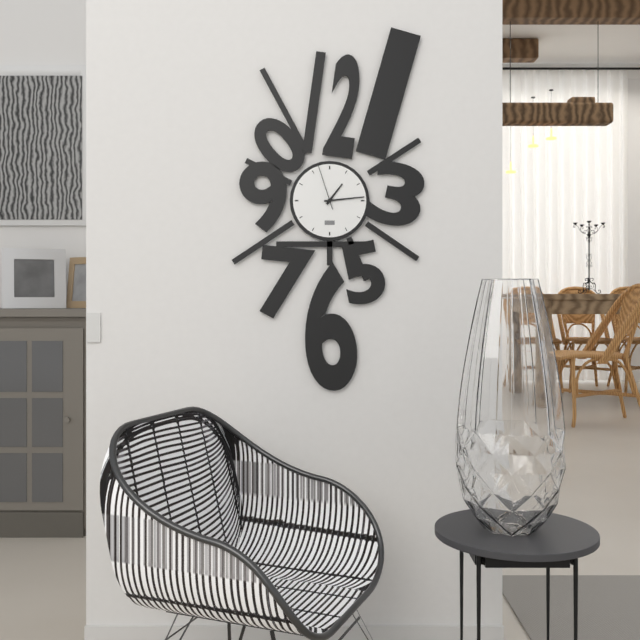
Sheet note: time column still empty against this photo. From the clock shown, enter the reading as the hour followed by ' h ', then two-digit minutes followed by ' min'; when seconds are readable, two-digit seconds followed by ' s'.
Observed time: 1 h 14 min
